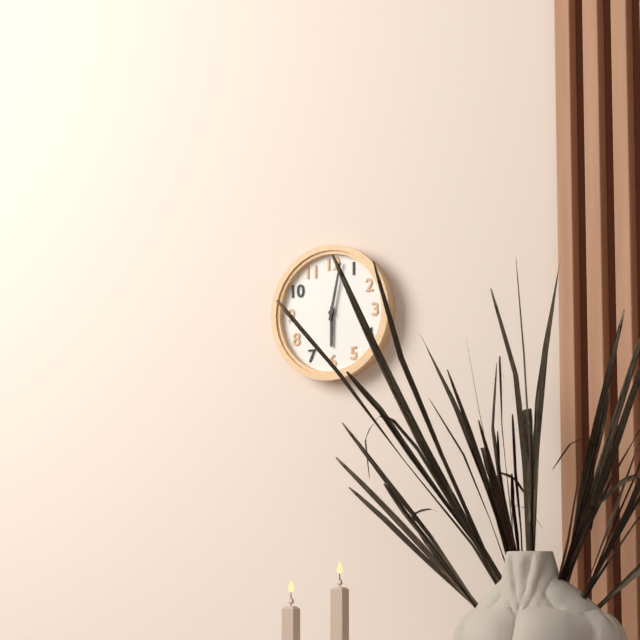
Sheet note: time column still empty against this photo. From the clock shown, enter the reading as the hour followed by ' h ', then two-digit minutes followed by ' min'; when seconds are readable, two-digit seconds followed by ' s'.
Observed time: 6 h 02 min
